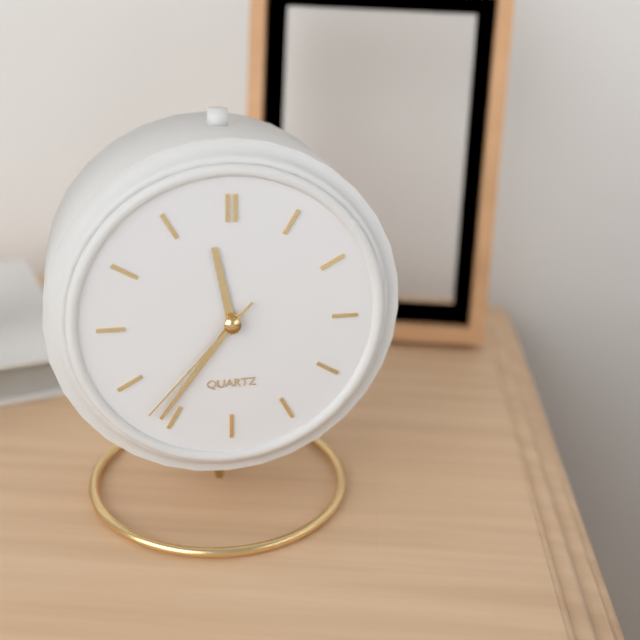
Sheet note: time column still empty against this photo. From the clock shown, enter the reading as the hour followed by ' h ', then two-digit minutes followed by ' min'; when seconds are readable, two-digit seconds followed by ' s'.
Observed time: 11 h 36 min 37 s
